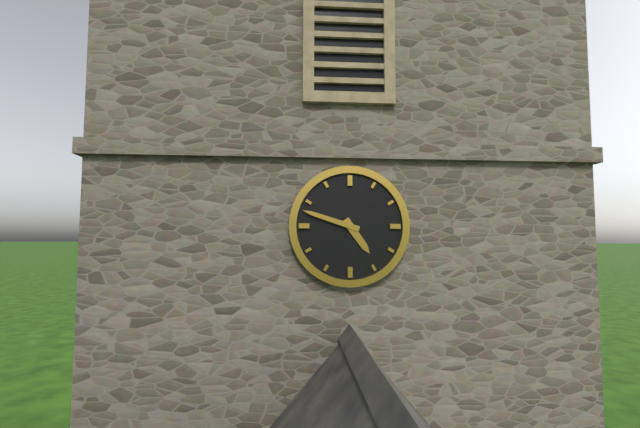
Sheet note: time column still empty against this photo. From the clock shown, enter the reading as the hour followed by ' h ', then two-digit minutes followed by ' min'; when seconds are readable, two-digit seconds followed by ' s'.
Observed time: 4 h 48 min
